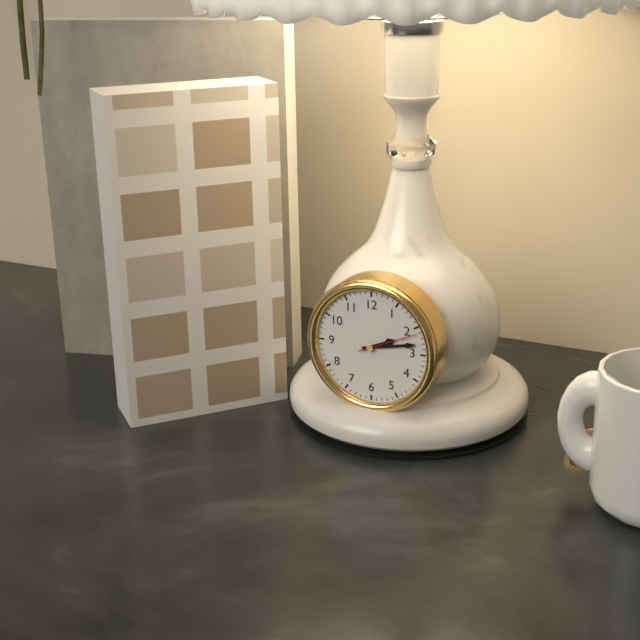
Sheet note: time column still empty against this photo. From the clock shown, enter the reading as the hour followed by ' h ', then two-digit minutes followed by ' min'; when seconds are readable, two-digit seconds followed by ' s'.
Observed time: 2 h 13 min 11 s
